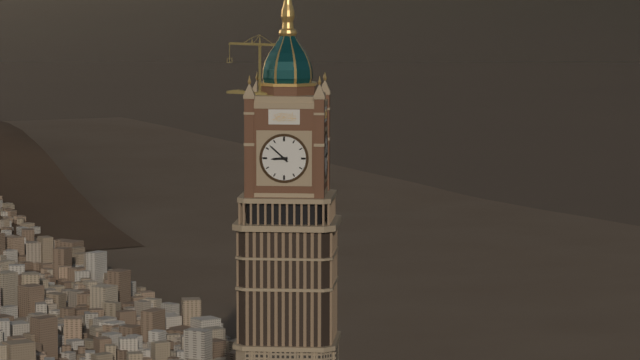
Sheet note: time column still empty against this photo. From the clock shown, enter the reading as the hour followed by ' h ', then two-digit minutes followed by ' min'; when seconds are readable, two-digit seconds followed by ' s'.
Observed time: 8 h 52 min
